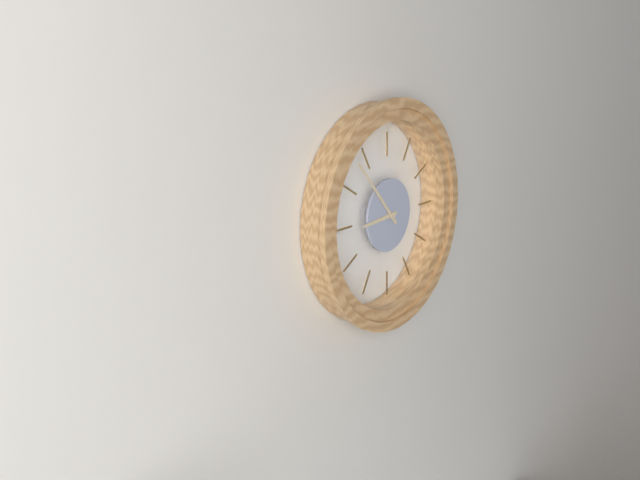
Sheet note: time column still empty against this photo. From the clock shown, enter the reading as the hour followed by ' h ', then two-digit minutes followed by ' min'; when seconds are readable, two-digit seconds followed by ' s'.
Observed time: 8 h 53 min
